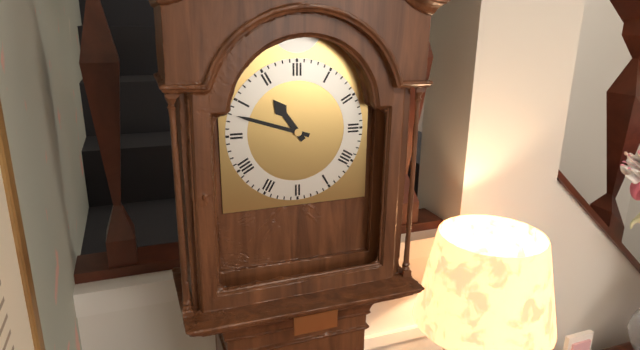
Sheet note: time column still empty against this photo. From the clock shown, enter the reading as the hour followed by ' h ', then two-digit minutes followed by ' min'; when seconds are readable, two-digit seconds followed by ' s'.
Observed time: 10 h 48 min
